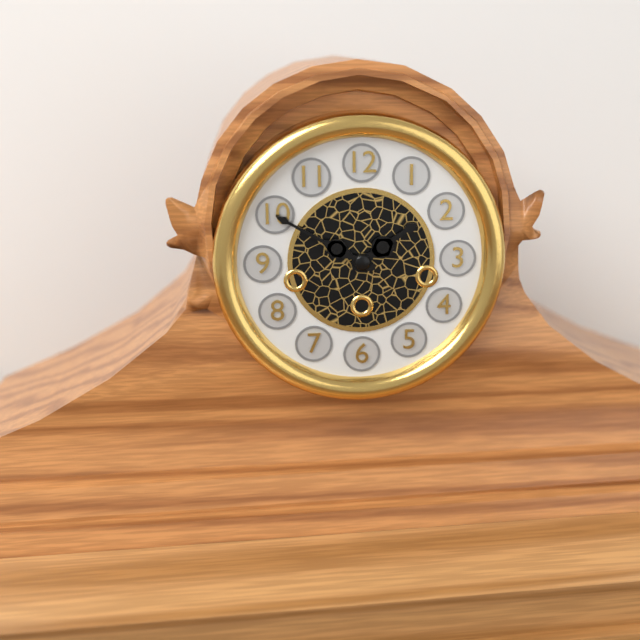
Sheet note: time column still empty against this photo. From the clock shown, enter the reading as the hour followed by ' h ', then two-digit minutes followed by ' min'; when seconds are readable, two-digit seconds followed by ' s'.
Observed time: 1 h 50 min
